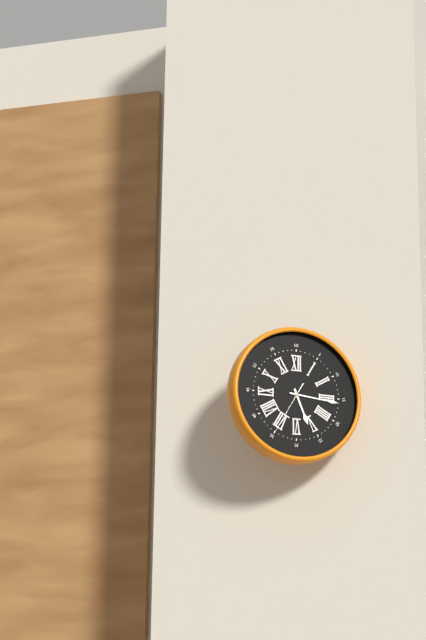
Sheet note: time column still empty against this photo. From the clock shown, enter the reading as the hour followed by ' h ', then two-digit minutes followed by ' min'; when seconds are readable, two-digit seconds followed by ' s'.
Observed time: 5 h 16 min
